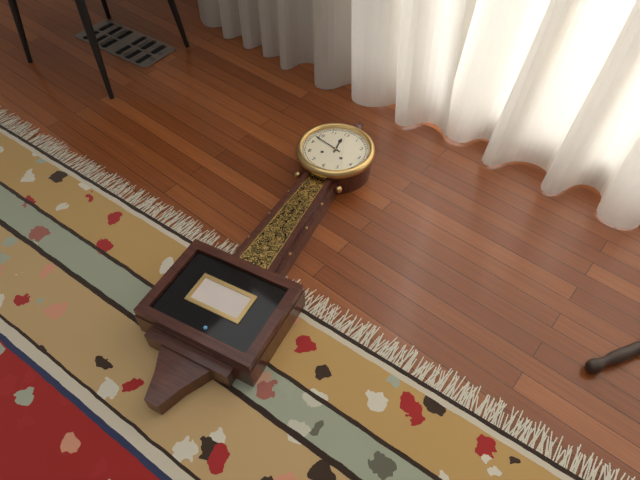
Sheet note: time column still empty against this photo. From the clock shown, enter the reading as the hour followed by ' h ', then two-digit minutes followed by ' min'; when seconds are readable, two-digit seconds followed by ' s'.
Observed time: 11 h 48 min
